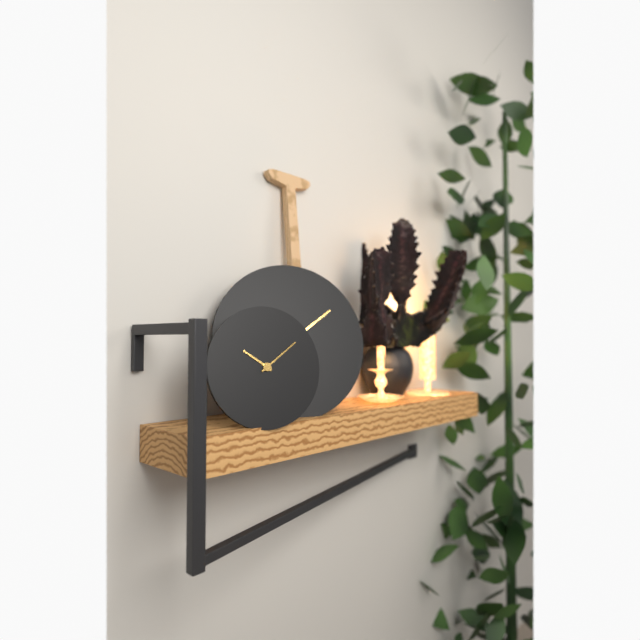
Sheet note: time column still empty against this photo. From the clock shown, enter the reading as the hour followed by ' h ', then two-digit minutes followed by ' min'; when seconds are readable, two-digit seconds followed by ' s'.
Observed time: 10 h 09 min
